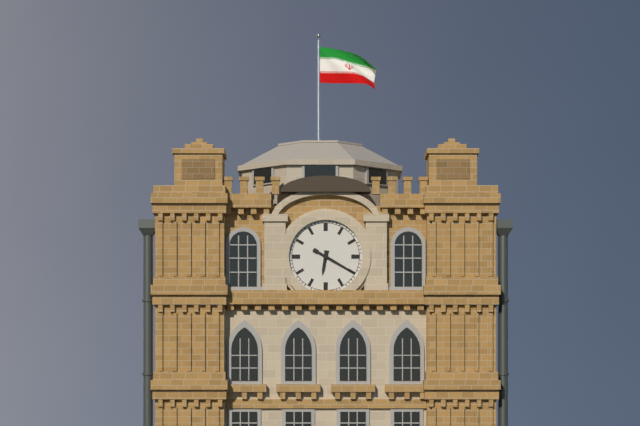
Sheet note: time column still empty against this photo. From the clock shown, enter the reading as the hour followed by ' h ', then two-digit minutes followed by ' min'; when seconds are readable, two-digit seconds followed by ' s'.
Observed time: 6 h 20 min
